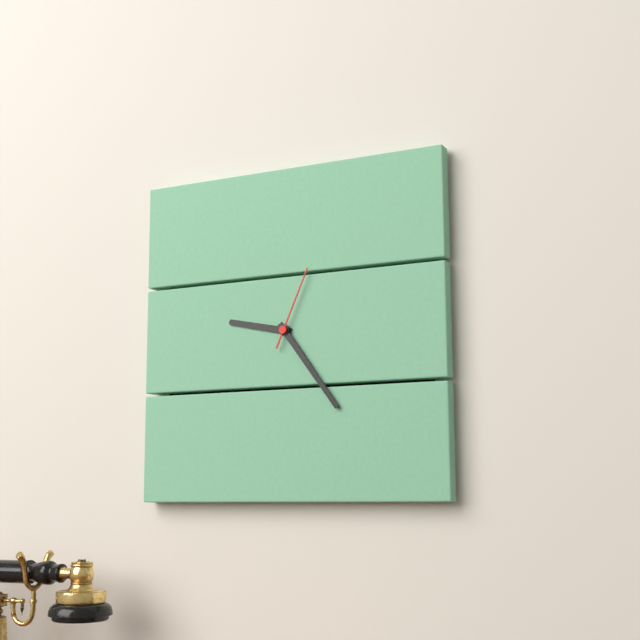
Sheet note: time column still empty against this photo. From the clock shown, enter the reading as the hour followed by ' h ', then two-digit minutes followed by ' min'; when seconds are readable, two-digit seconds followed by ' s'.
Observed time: 9 h 24 min 04 s
